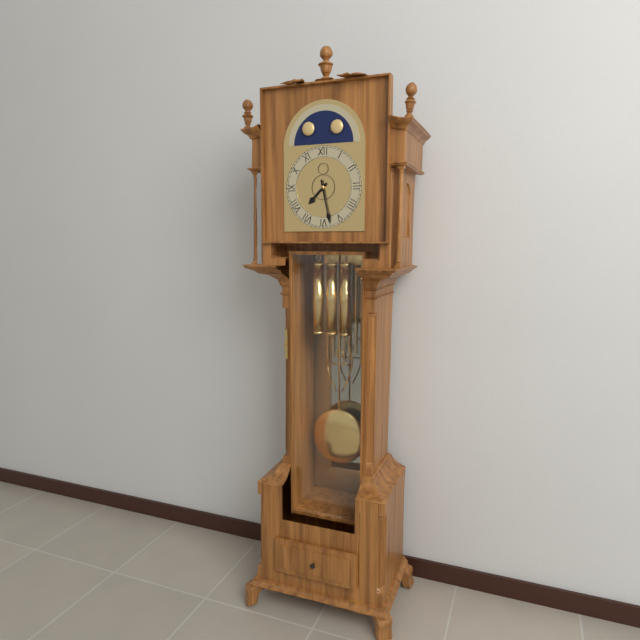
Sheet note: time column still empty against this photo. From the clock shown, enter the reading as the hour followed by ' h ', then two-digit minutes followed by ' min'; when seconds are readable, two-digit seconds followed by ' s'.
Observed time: 7 h 28 min
